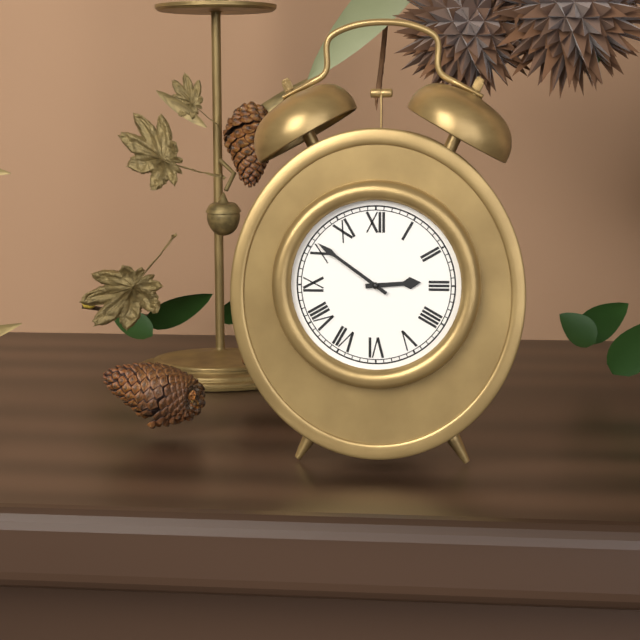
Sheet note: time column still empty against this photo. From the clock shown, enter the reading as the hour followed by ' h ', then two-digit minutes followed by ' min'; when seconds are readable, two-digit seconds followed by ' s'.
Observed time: 2 h 51 min
